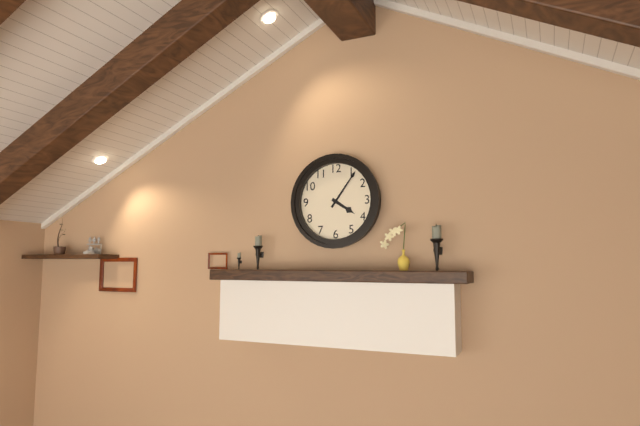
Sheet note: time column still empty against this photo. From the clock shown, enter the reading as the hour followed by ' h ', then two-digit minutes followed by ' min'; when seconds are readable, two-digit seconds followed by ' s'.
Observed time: 4 h 06 min
